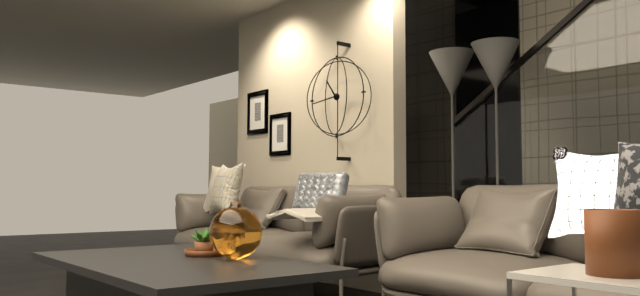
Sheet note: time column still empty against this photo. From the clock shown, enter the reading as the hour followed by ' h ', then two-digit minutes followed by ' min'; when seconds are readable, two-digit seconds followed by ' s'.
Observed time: 10 h 44 min
